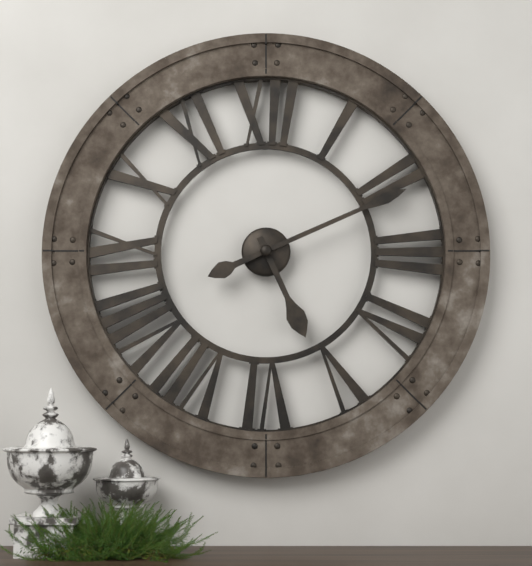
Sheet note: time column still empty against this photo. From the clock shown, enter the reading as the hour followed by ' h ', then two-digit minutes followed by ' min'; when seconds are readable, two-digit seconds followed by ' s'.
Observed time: 5 h 11 min
